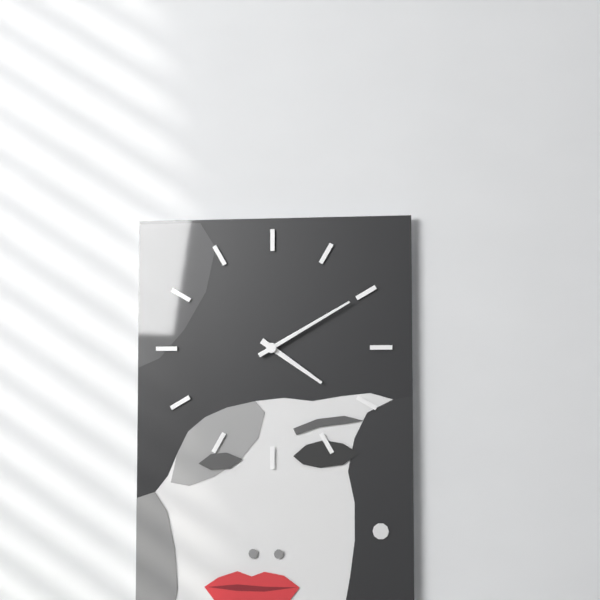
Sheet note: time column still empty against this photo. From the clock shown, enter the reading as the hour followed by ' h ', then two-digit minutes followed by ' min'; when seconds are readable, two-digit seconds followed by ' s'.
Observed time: 4 h 10 min
